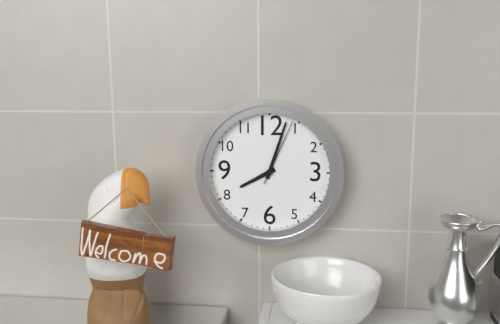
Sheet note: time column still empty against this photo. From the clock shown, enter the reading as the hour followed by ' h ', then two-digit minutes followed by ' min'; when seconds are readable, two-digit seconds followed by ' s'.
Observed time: 8 h 03 min 04 s
